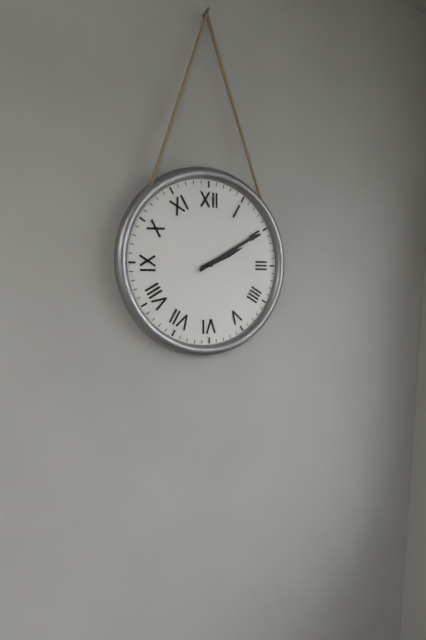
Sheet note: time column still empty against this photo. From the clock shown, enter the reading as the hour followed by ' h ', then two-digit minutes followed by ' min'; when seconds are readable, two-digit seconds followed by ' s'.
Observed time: 2 h 10 min
